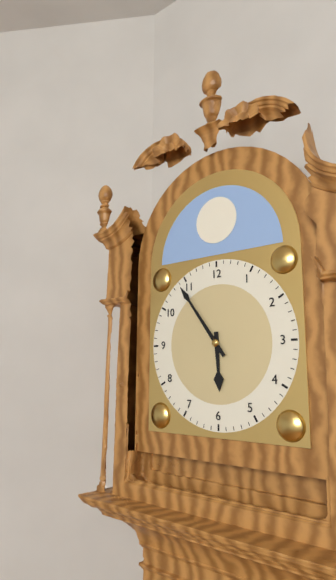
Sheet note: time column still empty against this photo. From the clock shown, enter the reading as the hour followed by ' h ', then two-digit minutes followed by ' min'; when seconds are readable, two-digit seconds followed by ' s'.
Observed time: 5 h 54 min
